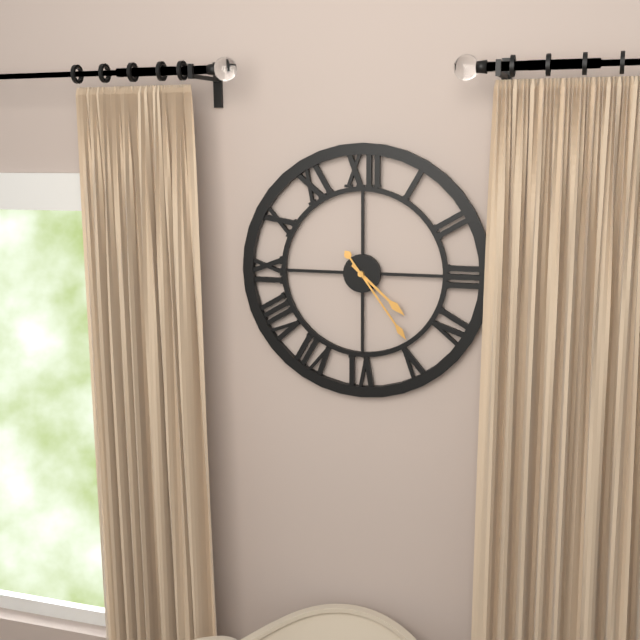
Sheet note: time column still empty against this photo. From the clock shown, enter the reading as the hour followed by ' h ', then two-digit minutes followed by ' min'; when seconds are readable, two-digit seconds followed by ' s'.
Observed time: 4 h 24 min
